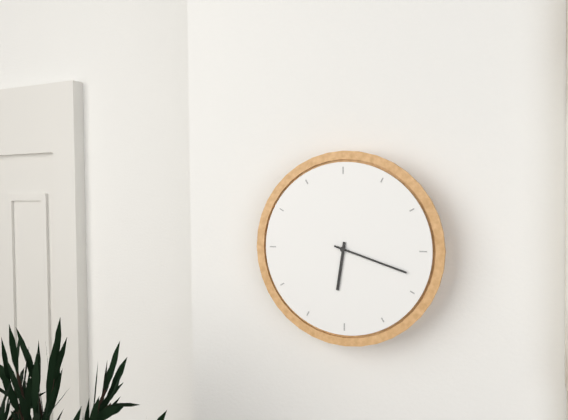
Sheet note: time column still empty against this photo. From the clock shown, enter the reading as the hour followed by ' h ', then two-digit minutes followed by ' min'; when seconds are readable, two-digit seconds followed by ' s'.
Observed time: 6 h 18 min
